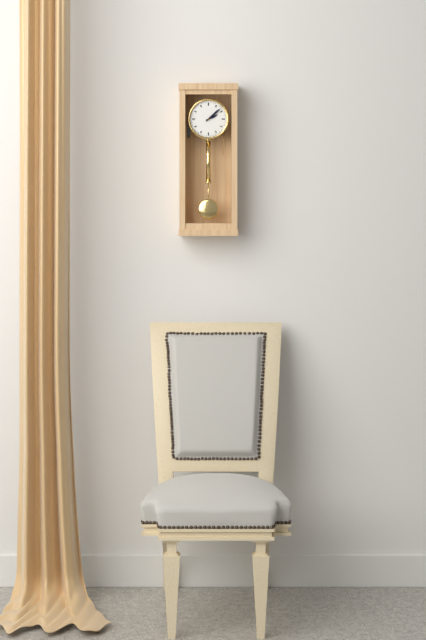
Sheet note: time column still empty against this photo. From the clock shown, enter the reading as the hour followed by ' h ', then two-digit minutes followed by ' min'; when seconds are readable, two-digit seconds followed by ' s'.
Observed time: 2 h 08 min
